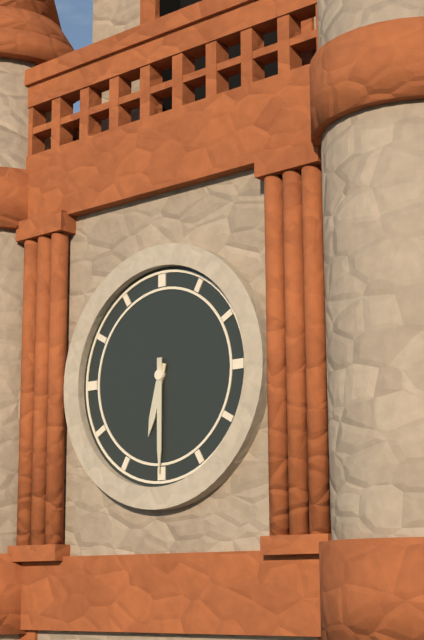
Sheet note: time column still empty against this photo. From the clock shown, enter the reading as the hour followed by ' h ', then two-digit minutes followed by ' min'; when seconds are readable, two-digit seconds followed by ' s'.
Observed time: 6 h 30 min
